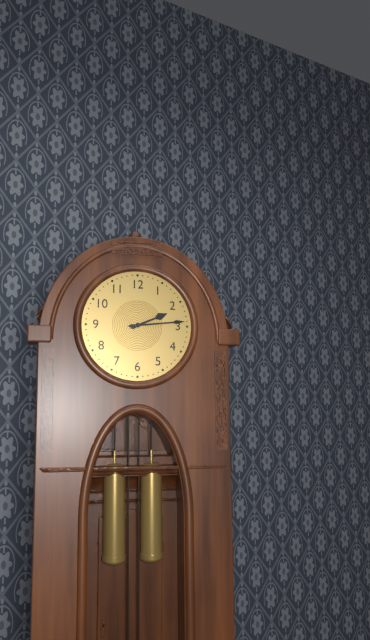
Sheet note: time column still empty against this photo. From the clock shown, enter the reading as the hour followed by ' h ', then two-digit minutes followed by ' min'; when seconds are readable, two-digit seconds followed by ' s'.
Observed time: 2 h 14 min
